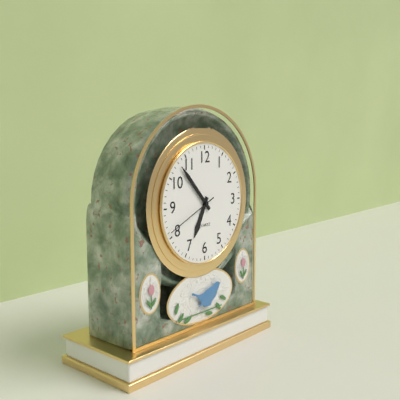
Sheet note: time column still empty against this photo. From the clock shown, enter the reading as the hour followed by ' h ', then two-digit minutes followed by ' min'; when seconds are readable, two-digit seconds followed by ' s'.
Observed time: 6 h 53 min 41 s
